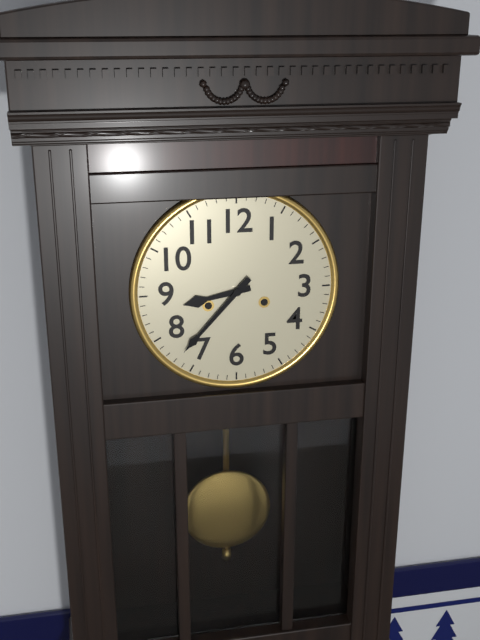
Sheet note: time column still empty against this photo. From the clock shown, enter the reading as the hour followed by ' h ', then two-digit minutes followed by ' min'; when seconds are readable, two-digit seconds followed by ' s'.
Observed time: 8 h 37 min
